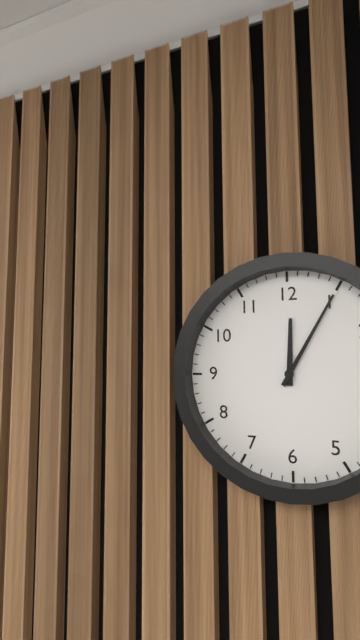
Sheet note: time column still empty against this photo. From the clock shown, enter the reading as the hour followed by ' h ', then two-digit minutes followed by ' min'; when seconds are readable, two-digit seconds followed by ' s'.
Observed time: 12 h 05 min
